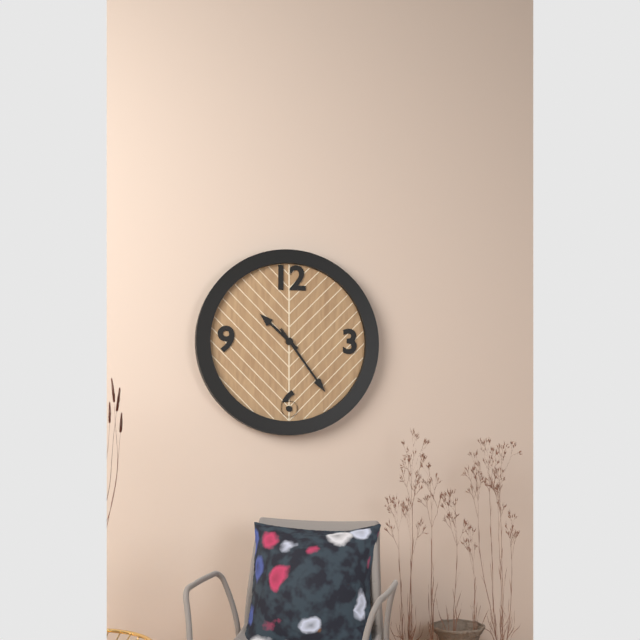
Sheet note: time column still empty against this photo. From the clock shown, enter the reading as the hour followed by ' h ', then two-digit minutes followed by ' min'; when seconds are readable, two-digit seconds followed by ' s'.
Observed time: 10 h 24 min
